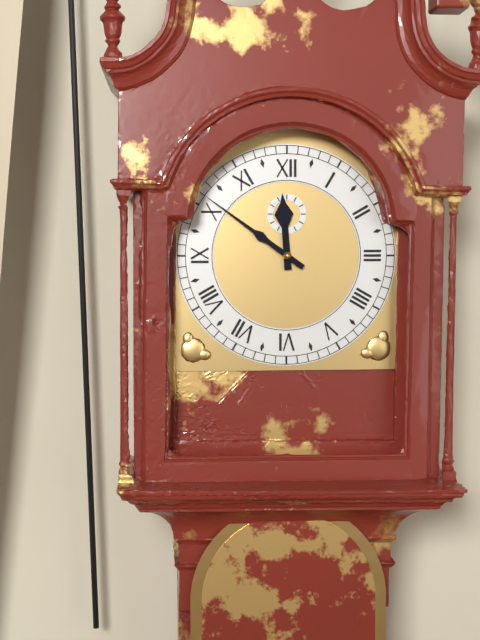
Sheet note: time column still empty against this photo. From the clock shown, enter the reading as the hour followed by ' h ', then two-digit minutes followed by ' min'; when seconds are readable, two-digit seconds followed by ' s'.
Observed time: 11 h 51 min
